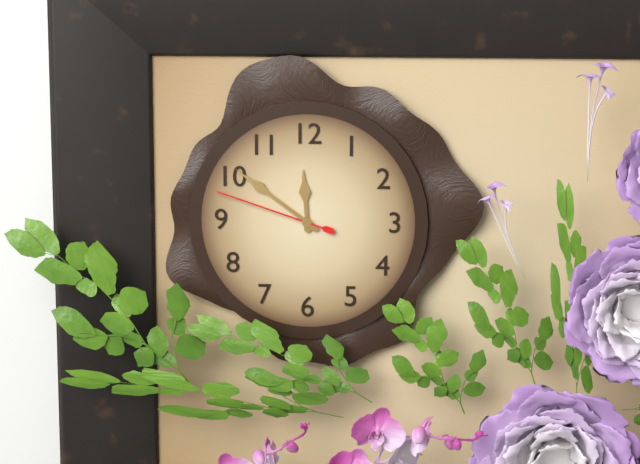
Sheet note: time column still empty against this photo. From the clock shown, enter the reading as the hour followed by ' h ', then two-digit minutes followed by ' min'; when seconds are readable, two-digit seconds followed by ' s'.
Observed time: 11 h 51 min 48 s
